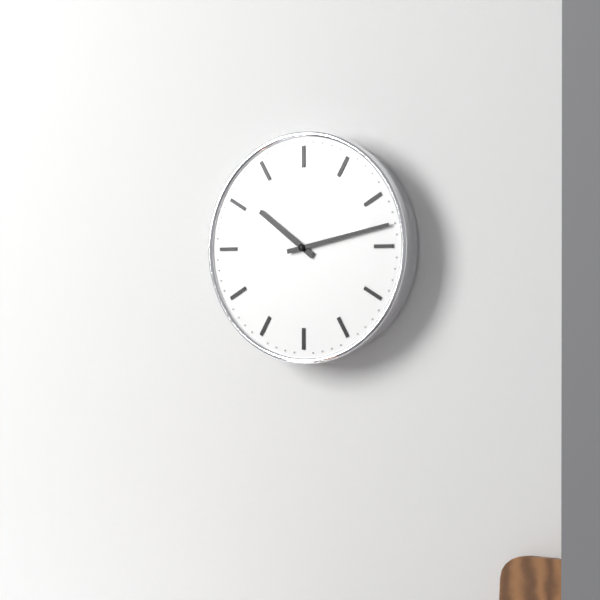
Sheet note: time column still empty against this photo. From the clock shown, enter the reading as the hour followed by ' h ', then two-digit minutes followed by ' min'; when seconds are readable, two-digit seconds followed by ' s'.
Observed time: 10 h 13 min
